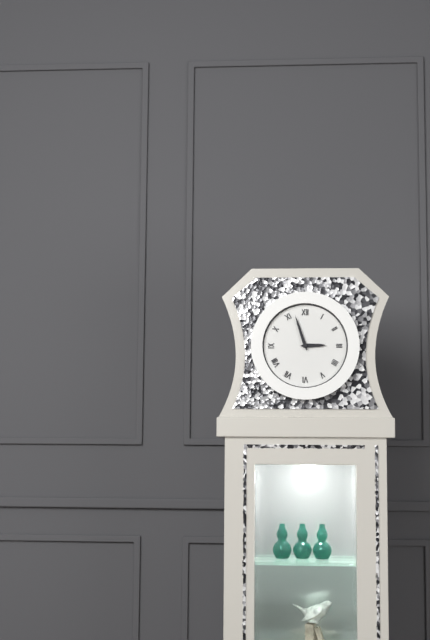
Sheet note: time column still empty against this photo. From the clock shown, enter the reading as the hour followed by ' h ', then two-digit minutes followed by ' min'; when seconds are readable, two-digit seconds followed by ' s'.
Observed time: 2 h 57 min
